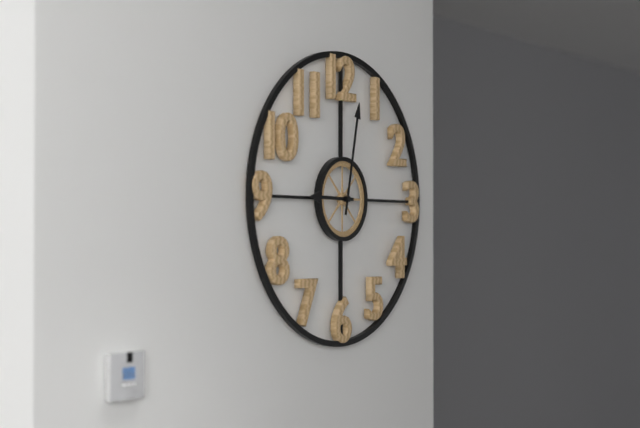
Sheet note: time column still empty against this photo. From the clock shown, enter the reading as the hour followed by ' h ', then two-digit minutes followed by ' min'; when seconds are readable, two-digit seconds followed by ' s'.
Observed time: 9 h 02 min
